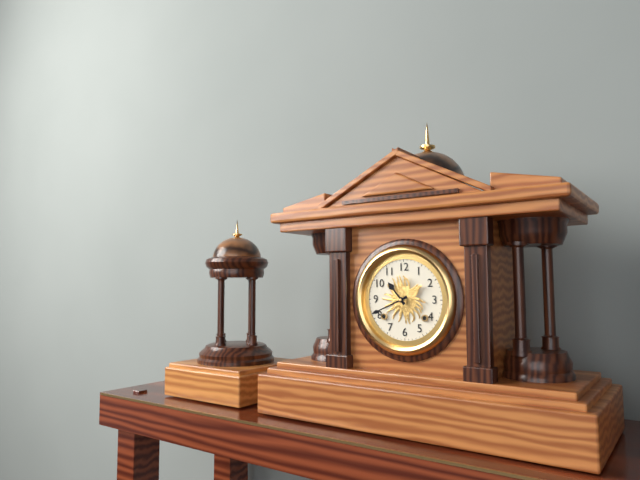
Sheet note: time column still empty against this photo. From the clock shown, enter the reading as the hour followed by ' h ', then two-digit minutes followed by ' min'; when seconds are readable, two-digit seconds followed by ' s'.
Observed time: 10 h 41 min
